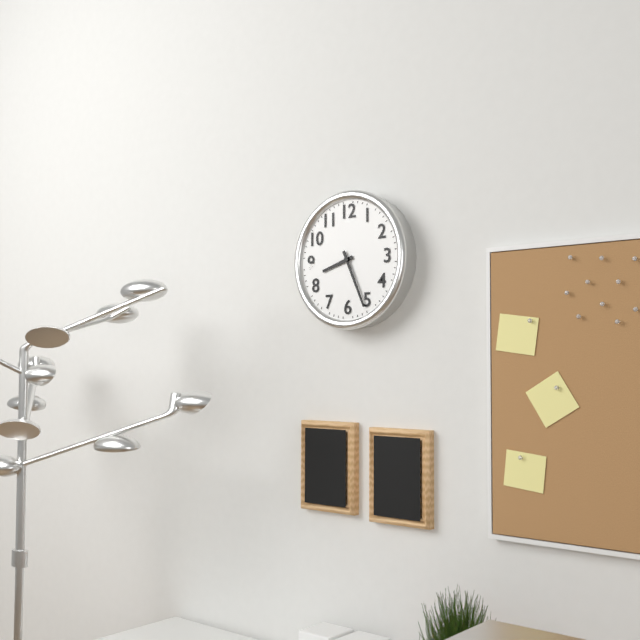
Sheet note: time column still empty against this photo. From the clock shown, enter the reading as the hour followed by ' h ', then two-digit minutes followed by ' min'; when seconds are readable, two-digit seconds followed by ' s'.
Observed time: 8 h 26 min
